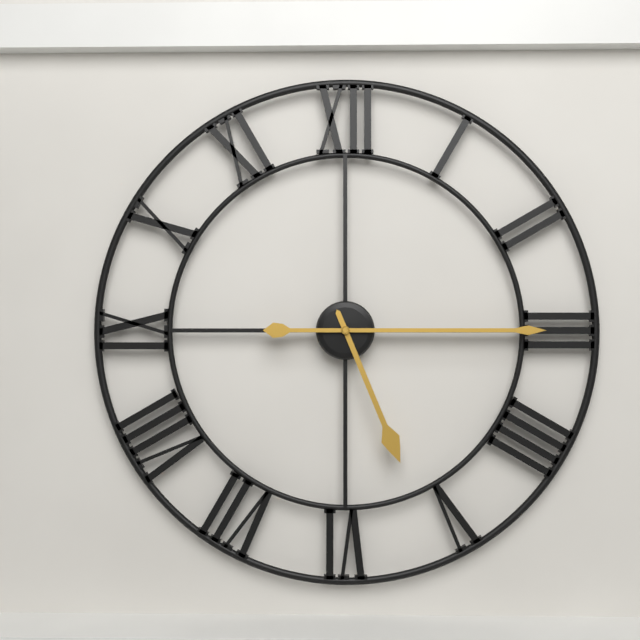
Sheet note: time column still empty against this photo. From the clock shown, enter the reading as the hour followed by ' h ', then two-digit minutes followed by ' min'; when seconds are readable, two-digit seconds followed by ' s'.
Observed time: 5 h 15 min
